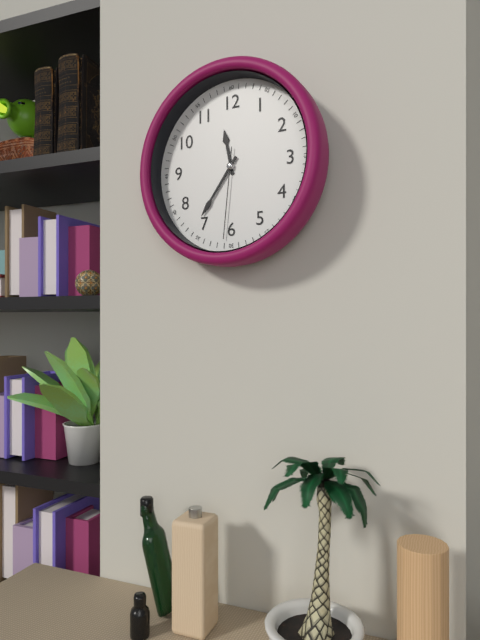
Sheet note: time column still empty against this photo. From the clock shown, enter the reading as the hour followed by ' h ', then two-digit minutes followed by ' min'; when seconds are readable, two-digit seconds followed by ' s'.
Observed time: 11 h 36 min 31 s
